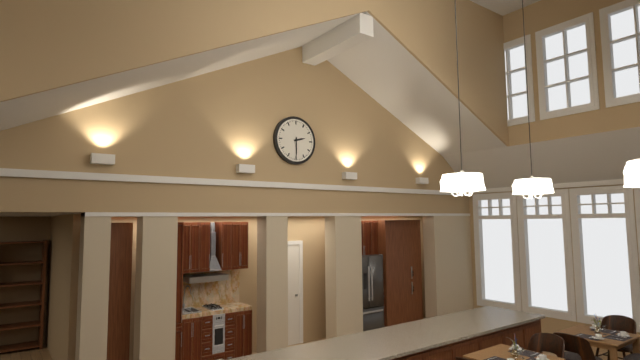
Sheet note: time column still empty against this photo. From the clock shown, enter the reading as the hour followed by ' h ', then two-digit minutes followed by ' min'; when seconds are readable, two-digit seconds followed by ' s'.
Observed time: 2 h 30 min
